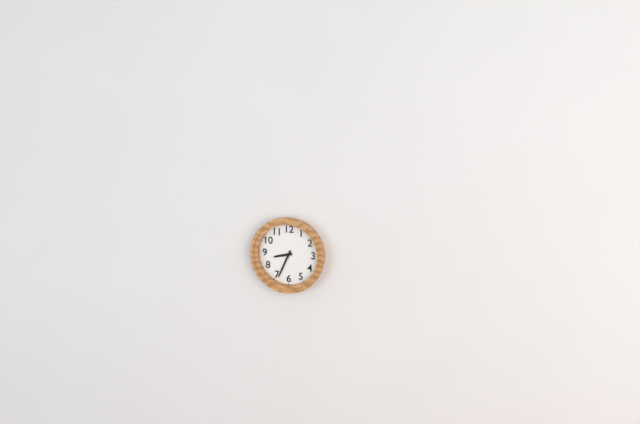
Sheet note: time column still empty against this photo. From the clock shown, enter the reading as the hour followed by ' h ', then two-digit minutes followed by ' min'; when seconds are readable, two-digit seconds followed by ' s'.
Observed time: 8 h 34 min
